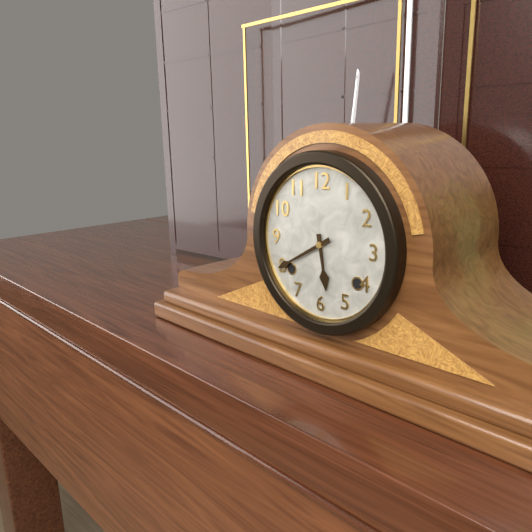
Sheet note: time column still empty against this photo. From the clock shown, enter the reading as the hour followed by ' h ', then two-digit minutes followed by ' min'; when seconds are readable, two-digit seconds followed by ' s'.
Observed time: 5 h 40 min
